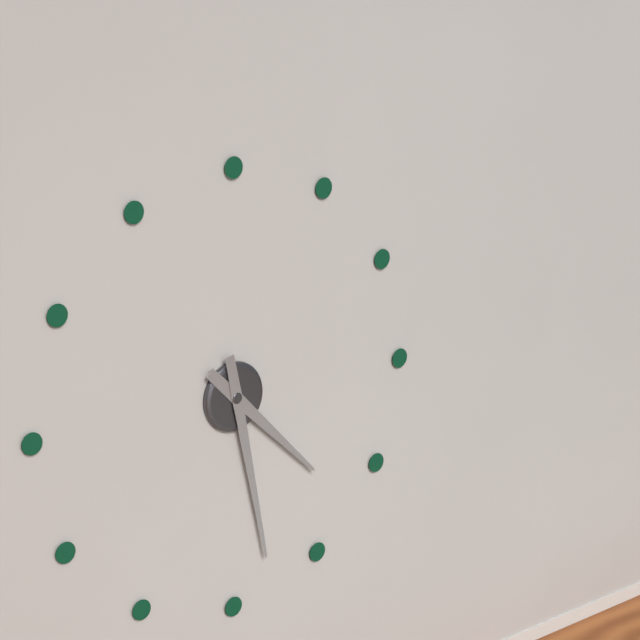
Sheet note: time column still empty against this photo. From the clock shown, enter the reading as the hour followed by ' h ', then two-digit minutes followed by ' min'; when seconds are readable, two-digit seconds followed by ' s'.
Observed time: 4 h 28 min
